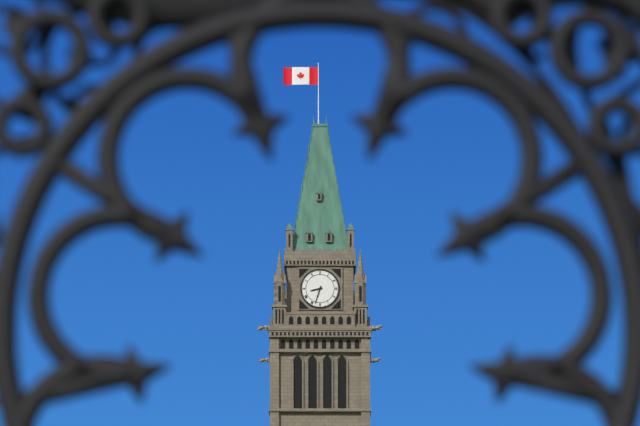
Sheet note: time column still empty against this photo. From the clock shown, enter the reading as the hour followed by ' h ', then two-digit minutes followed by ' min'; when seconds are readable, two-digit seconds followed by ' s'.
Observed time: 8 h 33 min
